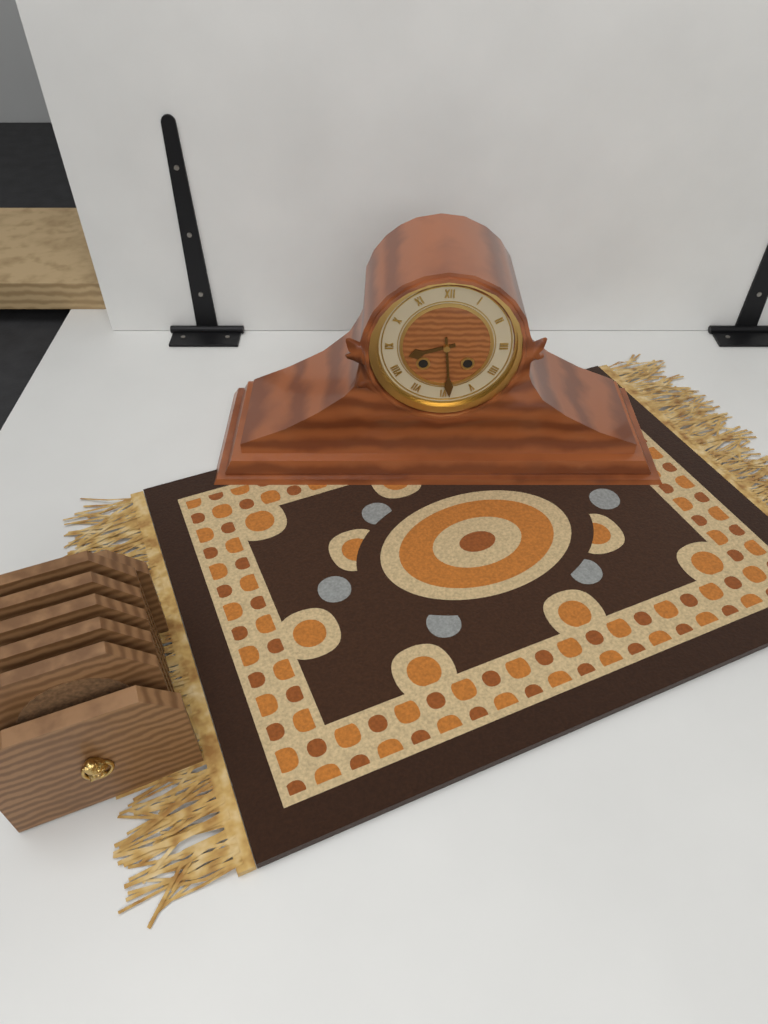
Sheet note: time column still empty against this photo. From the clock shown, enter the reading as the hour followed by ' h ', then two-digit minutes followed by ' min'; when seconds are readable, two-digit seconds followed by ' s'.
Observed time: 8 h 29 min
